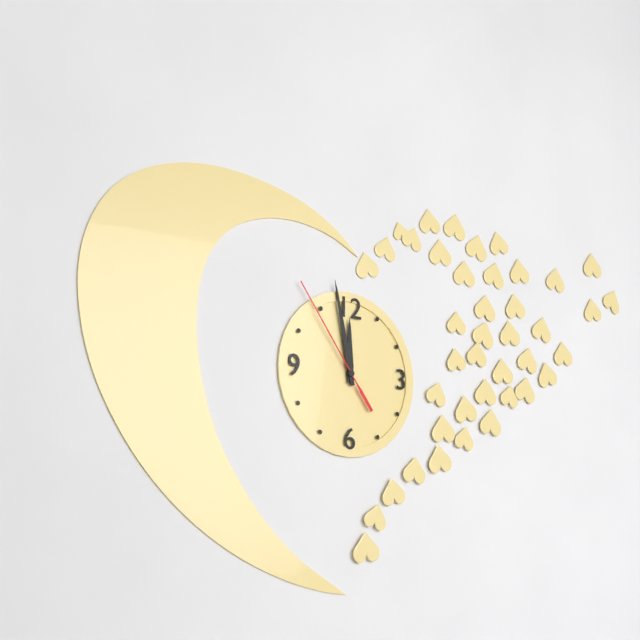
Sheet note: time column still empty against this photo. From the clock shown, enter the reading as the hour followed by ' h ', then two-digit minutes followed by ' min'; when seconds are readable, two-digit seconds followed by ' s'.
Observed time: 11 h 58 min 54 s
